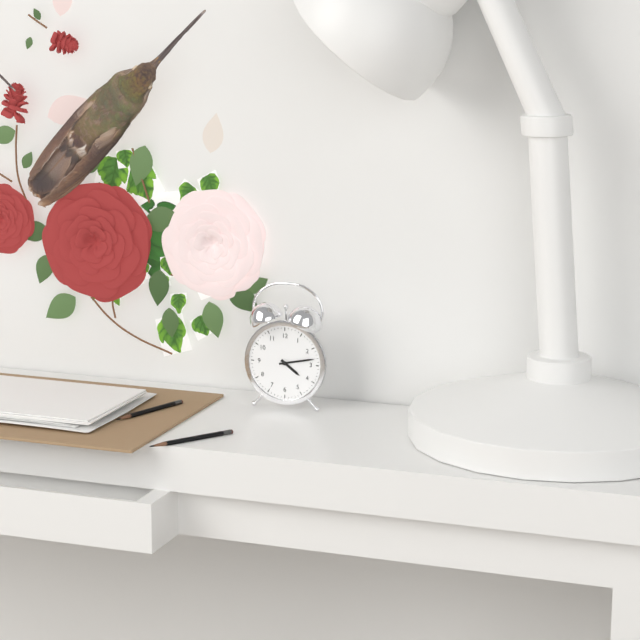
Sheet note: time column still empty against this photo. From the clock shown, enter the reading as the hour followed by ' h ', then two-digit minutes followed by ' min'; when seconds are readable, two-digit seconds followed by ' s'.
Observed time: 4 h 13 min
